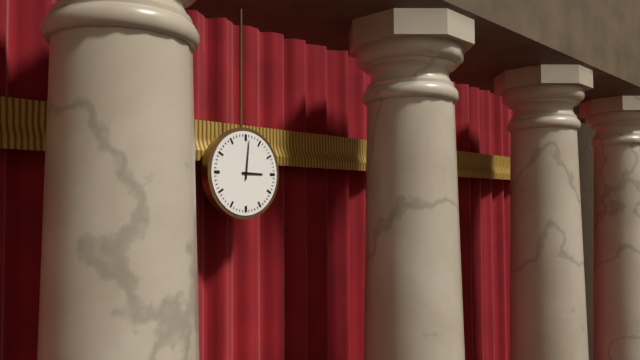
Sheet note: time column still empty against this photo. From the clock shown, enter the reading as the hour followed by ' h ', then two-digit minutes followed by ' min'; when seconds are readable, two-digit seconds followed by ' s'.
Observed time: 3 h 01 min
